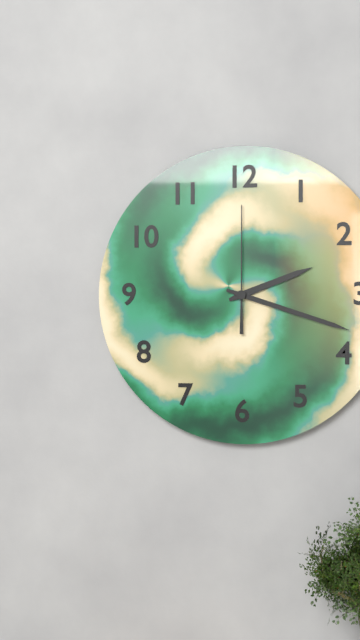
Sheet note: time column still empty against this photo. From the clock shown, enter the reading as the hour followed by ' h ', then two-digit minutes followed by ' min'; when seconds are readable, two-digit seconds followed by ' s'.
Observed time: 2 h 18 min 00 s
